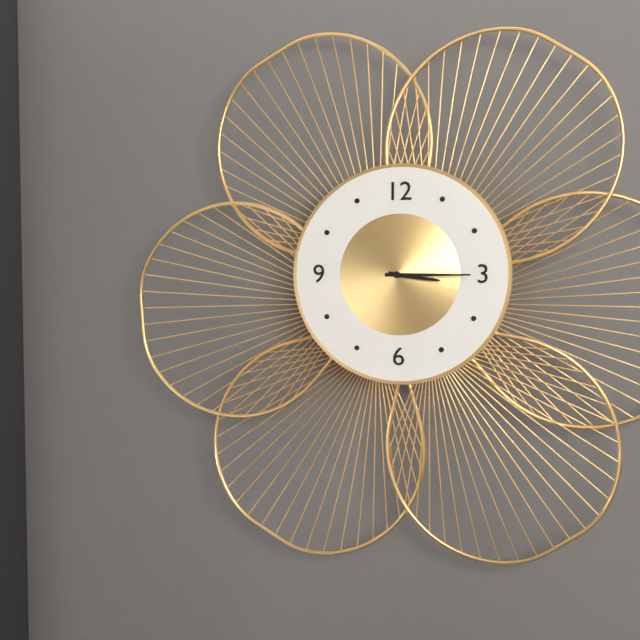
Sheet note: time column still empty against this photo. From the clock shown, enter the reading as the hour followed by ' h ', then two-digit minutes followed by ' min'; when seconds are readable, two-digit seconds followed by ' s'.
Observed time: 3 h 15 min
